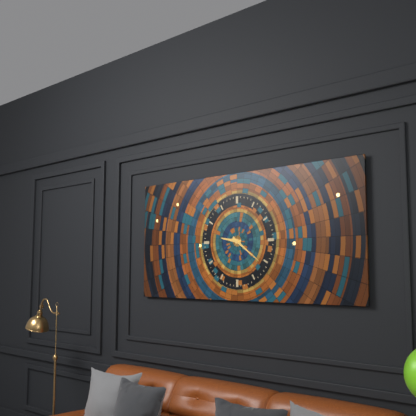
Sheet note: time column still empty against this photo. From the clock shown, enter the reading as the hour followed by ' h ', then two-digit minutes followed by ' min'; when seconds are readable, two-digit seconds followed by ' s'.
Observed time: 9 h 21 min
